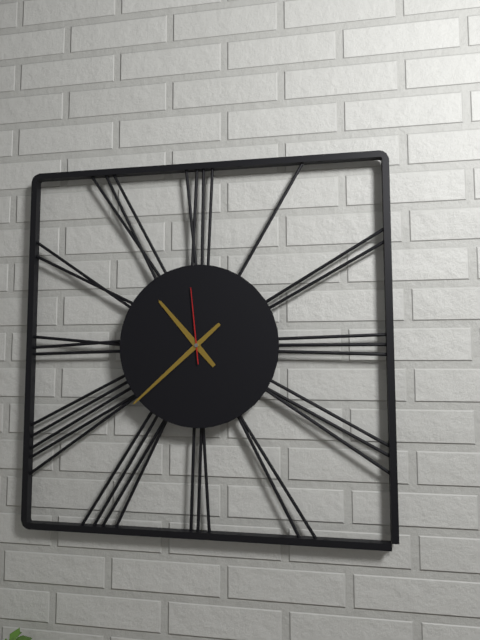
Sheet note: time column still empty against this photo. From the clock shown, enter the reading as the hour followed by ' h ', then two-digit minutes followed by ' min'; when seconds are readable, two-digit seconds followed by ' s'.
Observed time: 10 h 38 min 59 s
